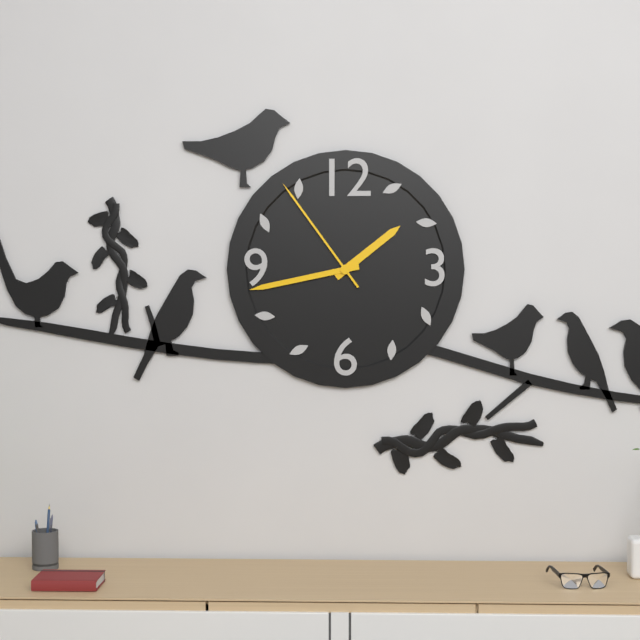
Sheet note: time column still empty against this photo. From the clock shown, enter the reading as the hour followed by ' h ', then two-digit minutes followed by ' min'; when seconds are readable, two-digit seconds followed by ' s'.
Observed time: 1 h 43 min 54 s
